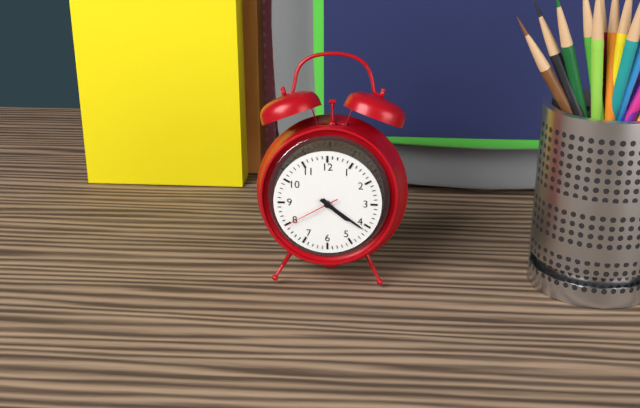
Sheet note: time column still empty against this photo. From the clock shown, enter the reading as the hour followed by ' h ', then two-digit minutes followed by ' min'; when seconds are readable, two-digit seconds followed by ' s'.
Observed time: 4 h 21 min 40 s
